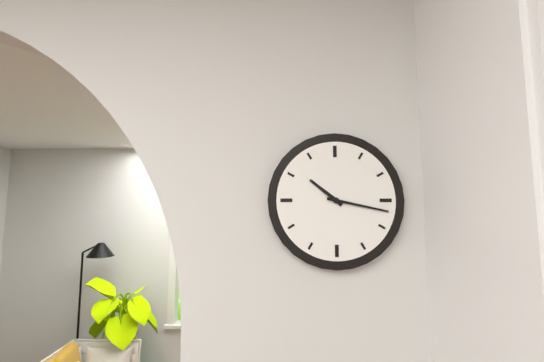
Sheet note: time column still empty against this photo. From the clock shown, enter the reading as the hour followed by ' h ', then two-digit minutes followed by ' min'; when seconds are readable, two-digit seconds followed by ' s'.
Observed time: 10 h 17 min
